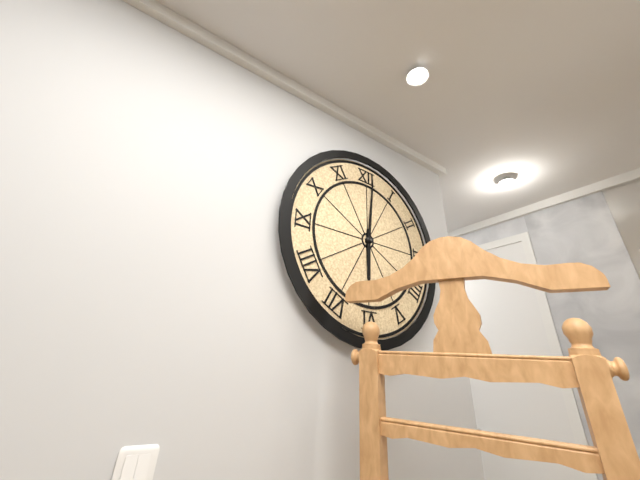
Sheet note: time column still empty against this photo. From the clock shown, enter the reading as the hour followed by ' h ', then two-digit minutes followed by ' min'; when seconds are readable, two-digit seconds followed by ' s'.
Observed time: 6 h 01 min
